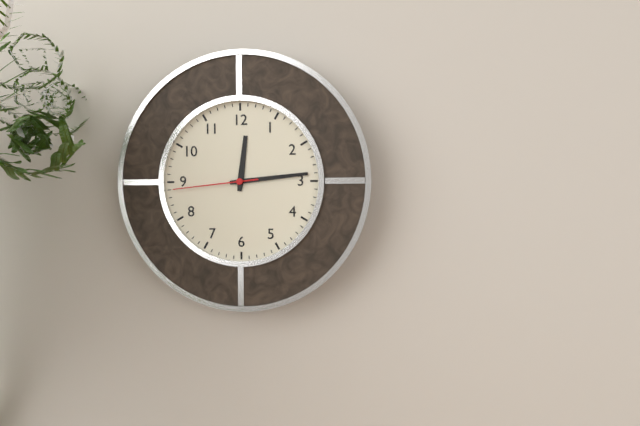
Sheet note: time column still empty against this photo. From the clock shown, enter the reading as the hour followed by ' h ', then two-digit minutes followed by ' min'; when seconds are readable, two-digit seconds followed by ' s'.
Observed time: 12 h 14 min 44 s
